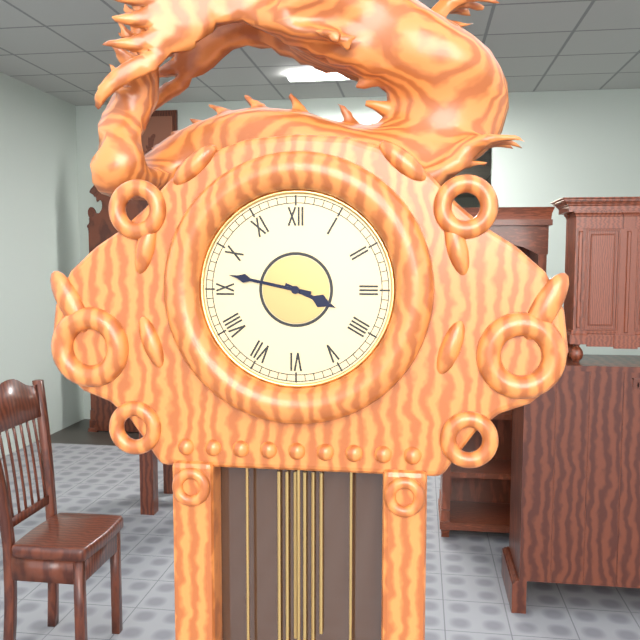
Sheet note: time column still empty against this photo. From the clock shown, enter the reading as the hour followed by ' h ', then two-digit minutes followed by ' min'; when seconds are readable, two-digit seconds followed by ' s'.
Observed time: 3 h 47 min
